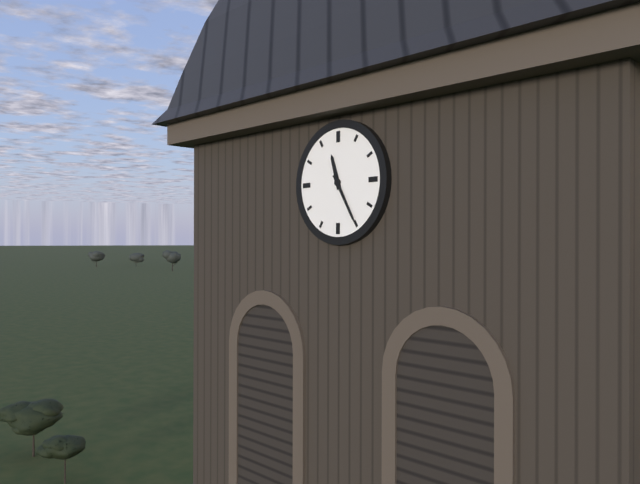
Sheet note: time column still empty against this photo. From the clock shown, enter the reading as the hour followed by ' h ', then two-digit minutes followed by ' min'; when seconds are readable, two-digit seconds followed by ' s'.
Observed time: 11 h 25 min
